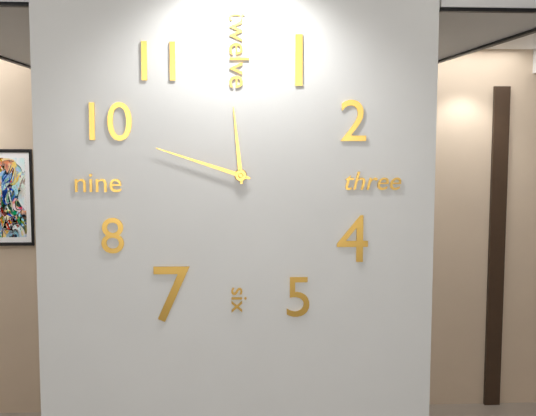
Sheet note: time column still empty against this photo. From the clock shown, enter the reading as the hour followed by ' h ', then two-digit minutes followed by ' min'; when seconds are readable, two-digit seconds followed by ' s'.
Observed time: 11 h 48 min
